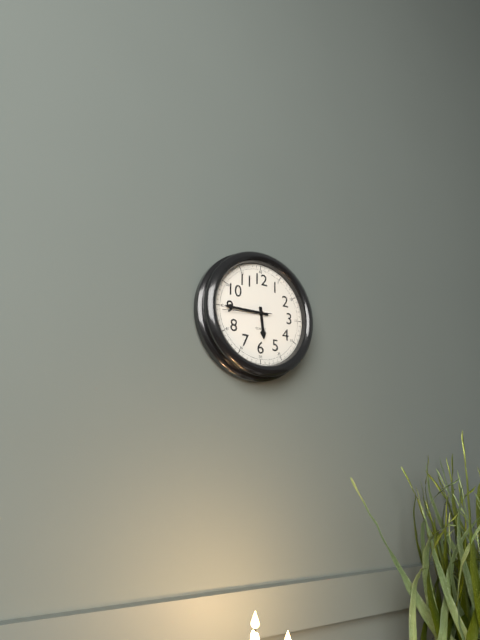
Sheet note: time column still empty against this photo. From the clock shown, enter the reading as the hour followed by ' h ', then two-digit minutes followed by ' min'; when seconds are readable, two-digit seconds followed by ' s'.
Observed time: 5 h 45 min
